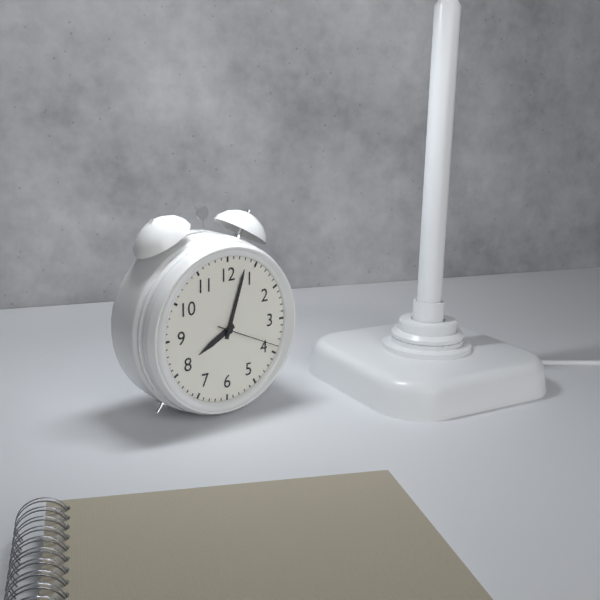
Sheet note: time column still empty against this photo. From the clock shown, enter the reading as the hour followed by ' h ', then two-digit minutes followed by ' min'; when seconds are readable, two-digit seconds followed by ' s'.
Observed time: 8 h 03 min 19 s
